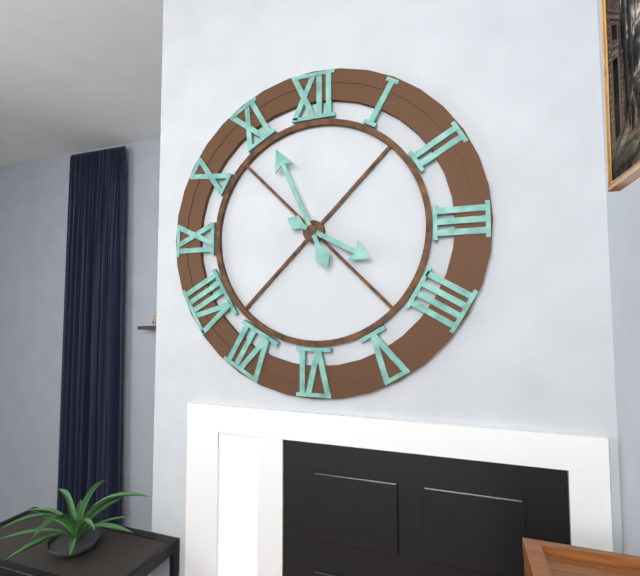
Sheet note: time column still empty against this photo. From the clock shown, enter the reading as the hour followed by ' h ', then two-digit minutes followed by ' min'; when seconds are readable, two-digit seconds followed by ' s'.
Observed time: 3 h 56 min
